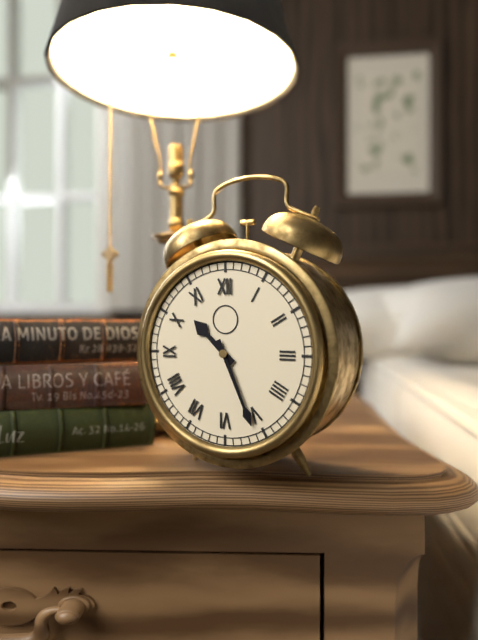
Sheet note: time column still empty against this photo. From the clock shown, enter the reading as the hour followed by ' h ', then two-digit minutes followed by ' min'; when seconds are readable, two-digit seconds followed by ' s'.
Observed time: 10 h 26 min
